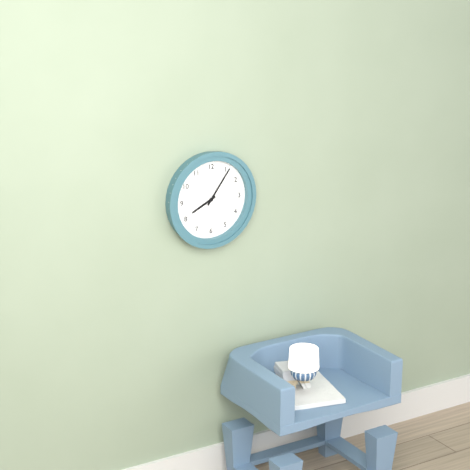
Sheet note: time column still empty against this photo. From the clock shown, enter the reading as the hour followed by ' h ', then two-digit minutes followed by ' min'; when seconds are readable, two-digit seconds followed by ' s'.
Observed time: 8 h 06 min
